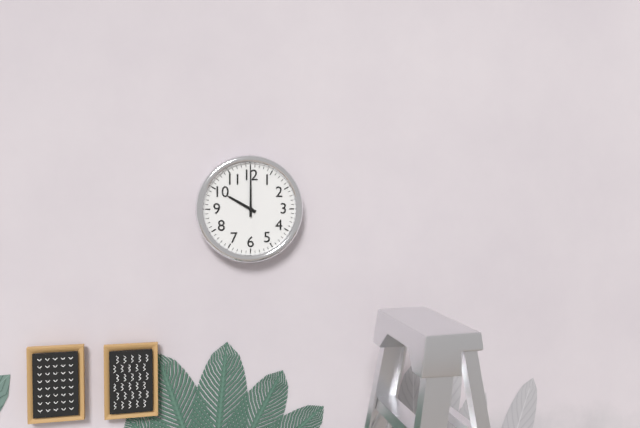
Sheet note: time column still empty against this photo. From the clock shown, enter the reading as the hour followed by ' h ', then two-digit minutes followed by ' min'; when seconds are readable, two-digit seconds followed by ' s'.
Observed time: 10 h 00 min
